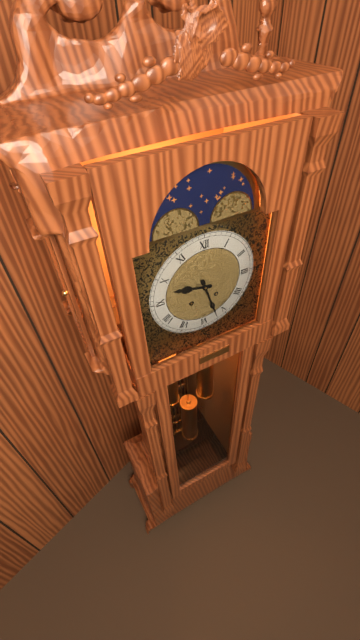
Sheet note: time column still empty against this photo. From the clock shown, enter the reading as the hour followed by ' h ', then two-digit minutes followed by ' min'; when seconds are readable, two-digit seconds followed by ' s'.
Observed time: 9 h 27 min
